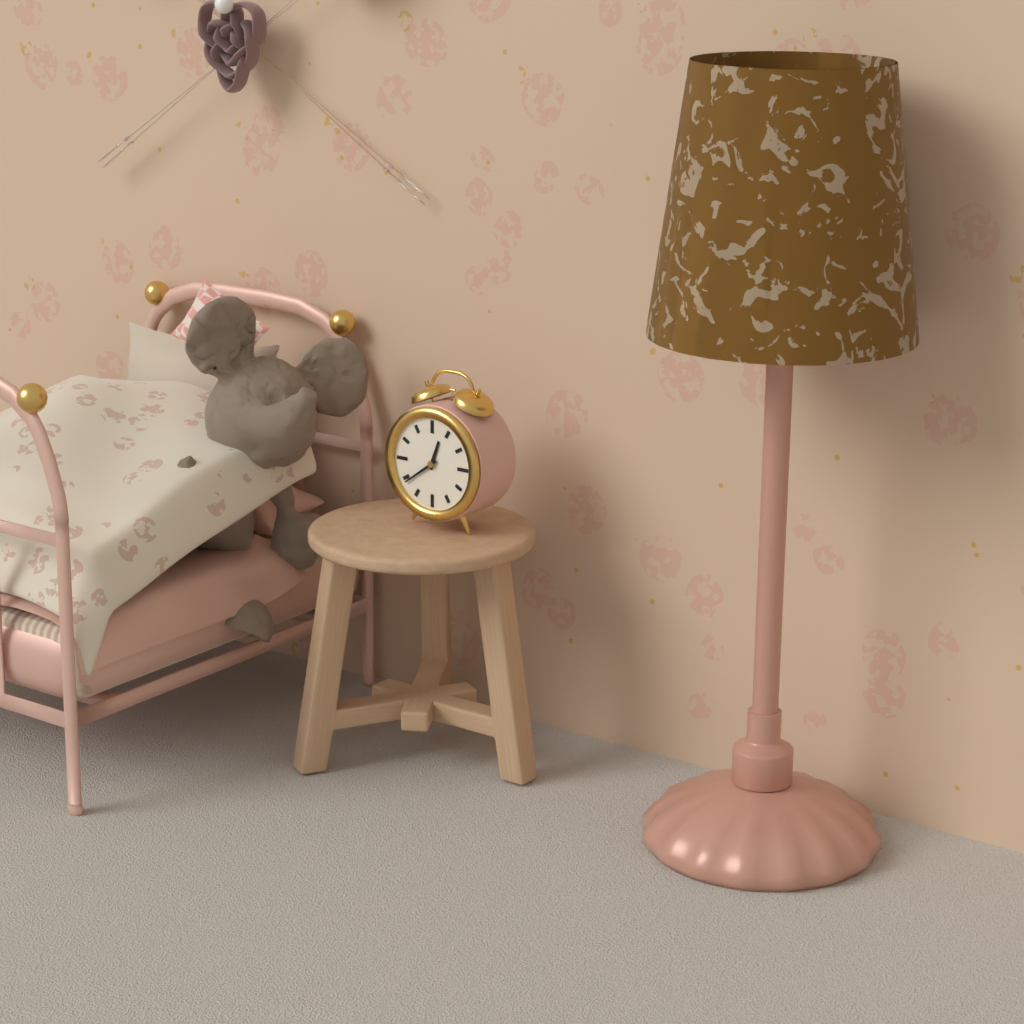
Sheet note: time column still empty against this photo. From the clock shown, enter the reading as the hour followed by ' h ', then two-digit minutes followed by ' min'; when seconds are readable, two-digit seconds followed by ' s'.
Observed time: 12 h 39 min
